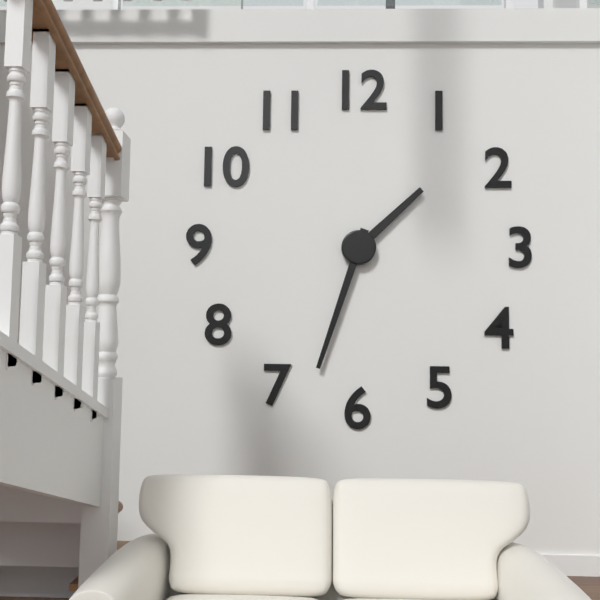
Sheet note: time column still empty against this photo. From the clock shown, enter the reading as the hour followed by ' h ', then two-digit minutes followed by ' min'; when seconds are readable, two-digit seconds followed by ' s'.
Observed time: 1 h 33 min
